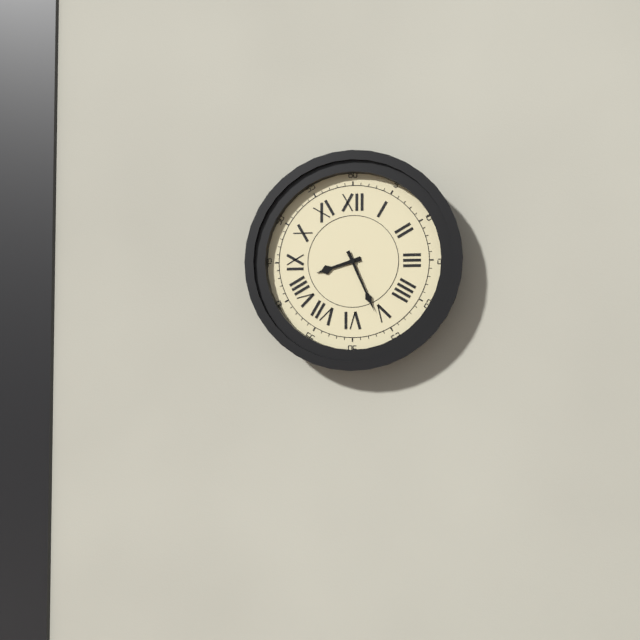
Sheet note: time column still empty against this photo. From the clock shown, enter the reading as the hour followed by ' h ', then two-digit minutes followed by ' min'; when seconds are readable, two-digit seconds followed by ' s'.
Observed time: 8 h 26 min
